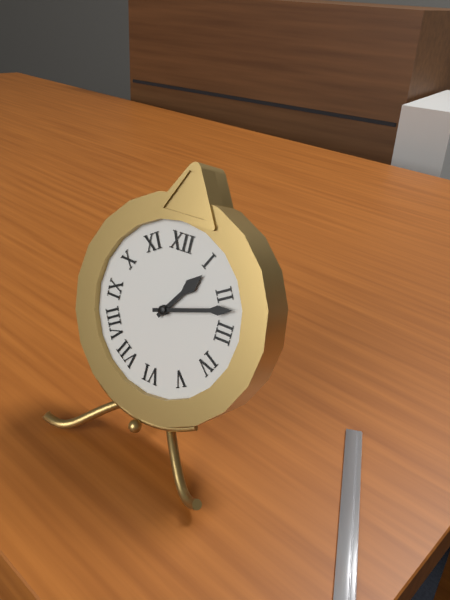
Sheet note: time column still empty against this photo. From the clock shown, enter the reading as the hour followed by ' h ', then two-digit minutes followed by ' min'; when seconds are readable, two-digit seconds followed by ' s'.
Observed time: 1 h 12 min
